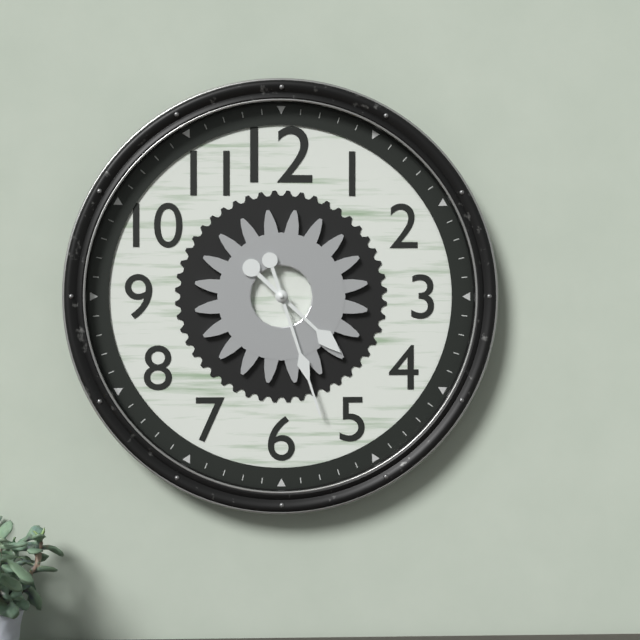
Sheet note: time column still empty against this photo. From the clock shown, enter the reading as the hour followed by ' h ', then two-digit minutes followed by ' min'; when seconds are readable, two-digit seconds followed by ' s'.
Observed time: 4 h 27 min
